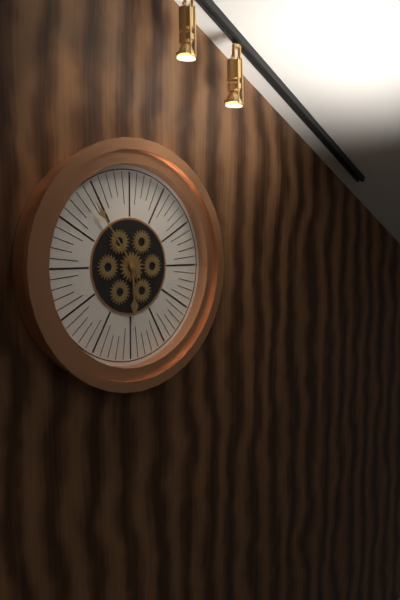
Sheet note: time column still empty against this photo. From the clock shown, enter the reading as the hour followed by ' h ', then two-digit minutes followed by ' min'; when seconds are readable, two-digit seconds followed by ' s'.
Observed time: 5 h 54 min
